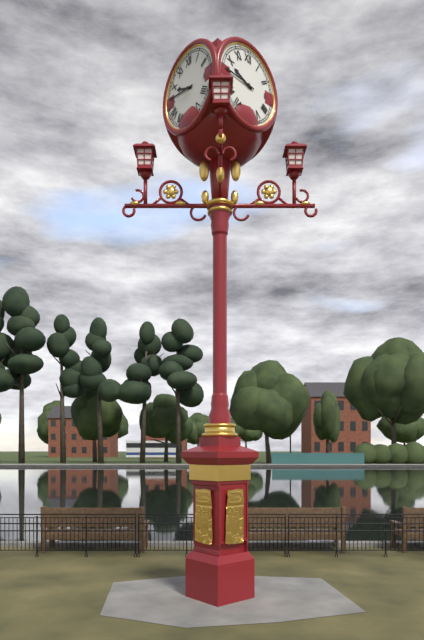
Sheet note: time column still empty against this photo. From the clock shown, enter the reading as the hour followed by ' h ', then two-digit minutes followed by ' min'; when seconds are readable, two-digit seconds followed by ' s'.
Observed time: 9 h 46 min
